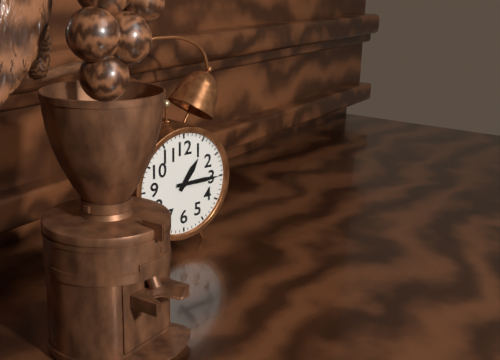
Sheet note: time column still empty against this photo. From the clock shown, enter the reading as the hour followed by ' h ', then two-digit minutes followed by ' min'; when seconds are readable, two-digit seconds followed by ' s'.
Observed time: 1 h 15 min
